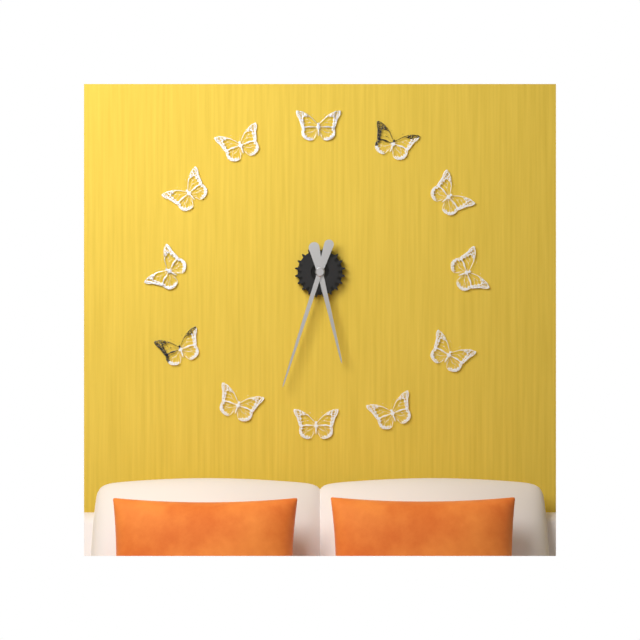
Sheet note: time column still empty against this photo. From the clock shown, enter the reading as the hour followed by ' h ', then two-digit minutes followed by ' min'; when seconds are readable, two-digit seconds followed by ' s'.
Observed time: 5 h 33 min
